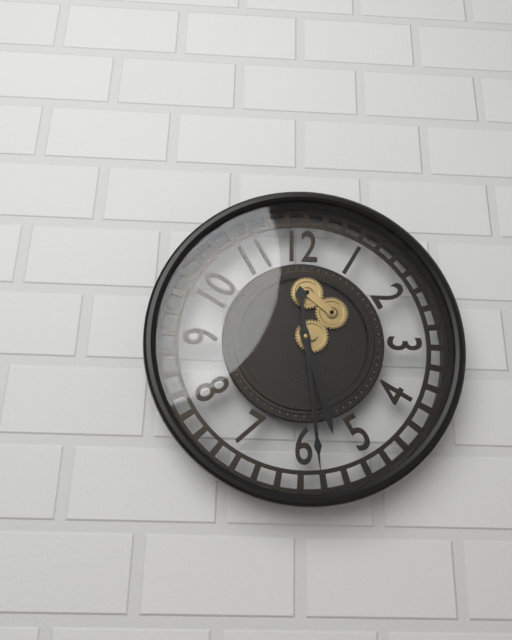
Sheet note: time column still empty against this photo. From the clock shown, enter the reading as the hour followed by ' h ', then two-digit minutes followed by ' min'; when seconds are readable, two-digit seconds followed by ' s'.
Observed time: 5 h 29 min
